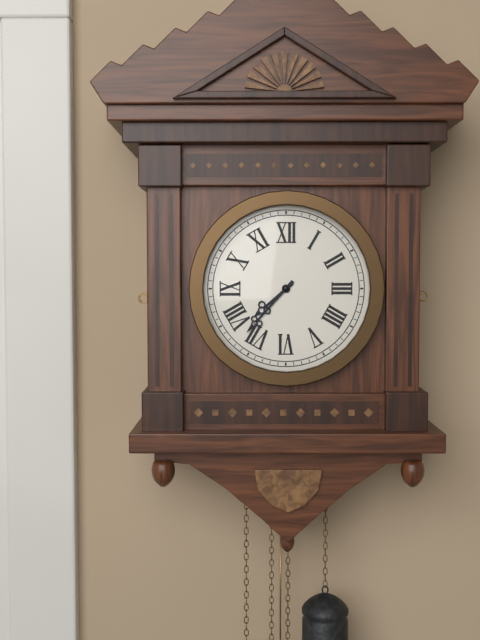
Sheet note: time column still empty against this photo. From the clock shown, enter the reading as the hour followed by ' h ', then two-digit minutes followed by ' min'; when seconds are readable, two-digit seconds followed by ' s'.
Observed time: 7 h 37 min
